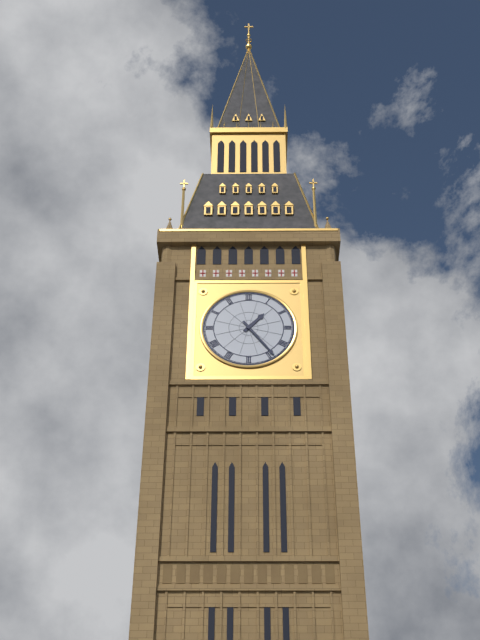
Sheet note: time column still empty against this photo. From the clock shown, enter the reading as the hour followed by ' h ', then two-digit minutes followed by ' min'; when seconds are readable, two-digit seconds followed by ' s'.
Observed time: 1 h 24 min
